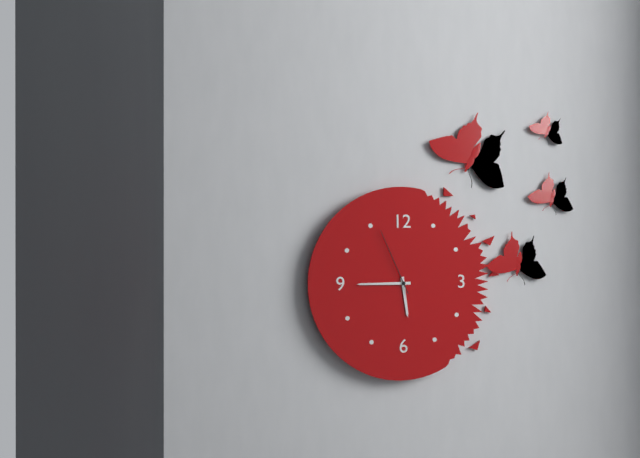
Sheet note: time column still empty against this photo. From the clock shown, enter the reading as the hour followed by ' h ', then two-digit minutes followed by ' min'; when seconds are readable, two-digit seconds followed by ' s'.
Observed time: 5 h 45 min 56 s
